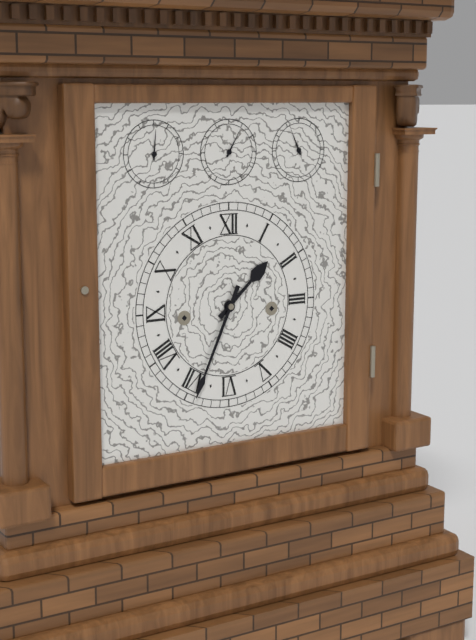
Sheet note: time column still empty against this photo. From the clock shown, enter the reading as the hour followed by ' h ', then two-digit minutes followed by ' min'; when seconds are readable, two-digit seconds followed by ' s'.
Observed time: 1 h 34 min
